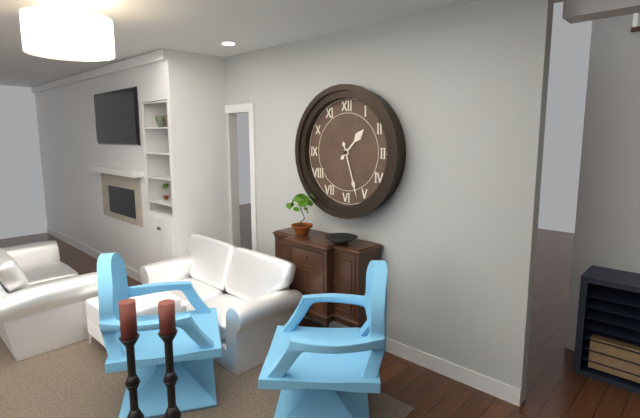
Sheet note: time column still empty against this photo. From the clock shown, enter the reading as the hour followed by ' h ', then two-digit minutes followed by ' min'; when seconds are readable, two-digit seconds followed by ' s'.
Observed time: 1 h 27 min
